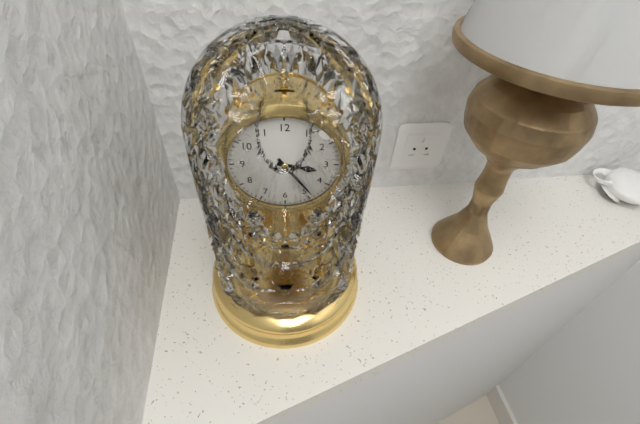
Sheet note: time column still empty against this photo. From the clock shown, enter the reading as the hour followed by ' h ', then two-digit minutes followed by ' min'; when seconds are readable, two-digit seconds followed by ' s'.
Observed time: 3 h 24 min
